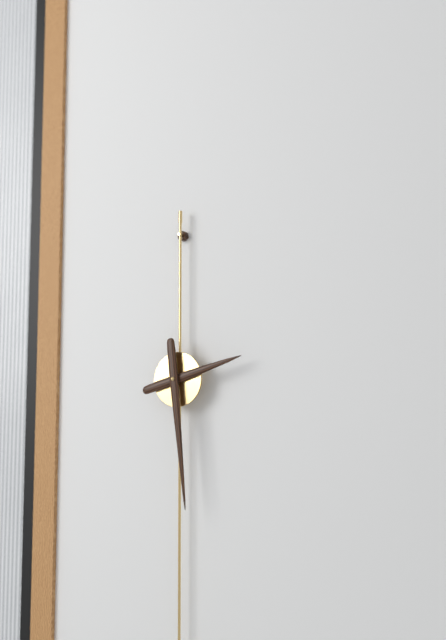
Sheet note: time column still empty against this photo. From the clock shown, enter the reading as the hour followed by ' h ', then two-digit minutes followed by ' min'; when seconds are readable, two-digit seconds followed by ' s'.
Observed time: 2 h 29 min
